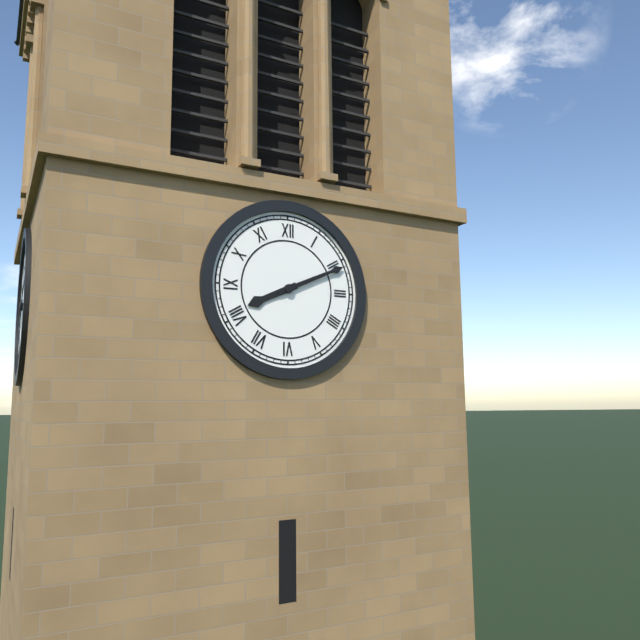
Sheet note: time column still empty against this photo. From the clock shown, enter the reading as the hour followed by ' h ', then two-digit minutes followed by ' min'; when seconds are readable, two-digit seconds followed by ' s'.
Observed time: 8 h 11 min
